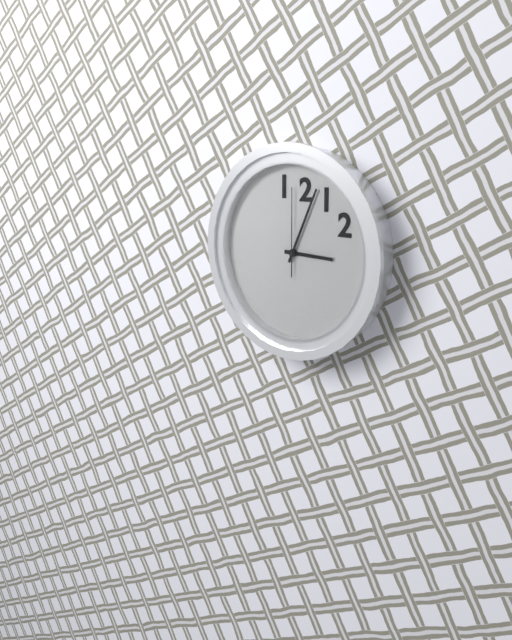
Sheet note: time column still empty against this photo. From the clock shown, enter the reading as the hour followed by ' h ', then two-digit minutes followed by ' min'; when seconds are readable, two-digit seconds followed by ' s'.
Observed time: 3 h 04 min 00 s
